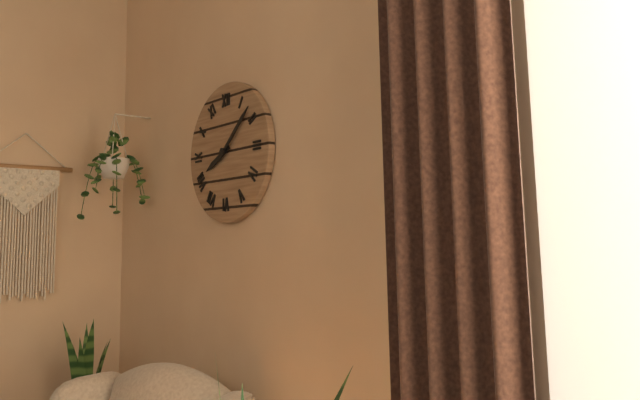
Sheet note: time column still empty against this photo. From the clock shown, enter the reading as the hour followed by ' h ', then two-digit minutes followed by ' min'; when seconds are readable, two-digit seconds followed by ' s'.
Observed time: 8 h 08 min
